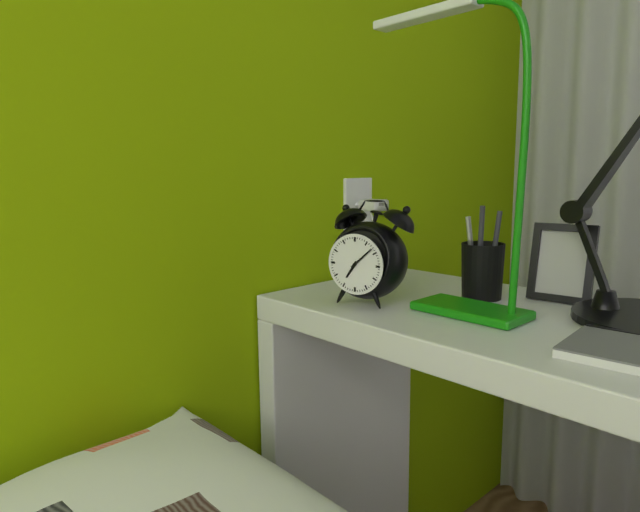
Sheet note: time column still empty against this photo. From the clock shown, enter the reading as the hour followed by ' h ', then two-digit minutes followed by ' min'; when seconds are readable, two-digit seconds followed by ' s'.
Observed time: 7 h 08 min
